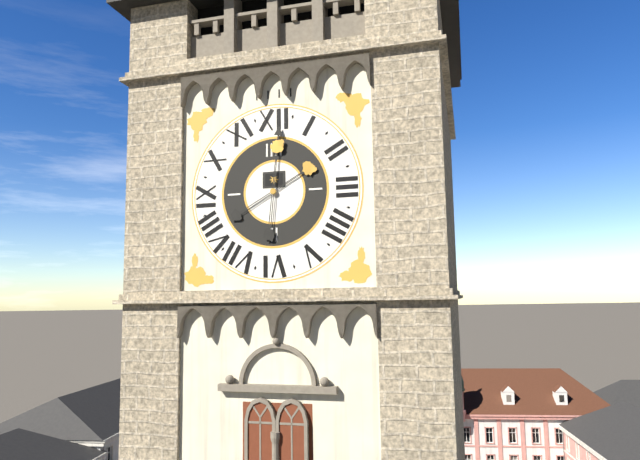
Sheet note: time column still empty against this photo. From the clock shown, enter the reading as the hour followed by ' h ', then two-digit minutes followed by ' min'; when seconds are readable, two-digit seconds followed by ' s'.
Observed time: 2 h 01 min
